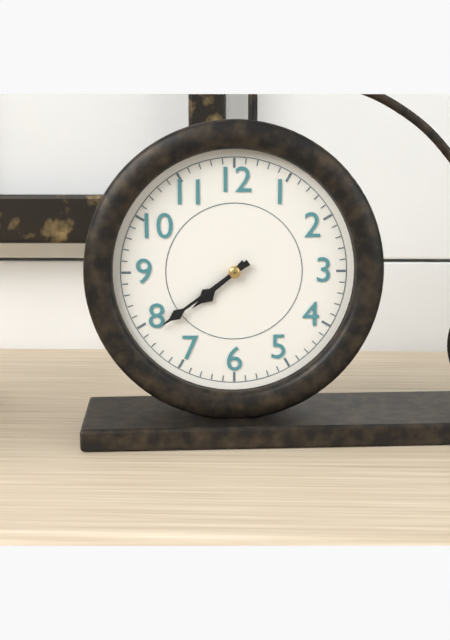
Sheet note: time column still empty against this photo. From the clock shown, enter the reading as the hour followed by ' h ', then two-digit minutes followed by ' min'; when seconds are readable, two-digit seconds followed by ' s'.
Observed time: 7 h 39 min
